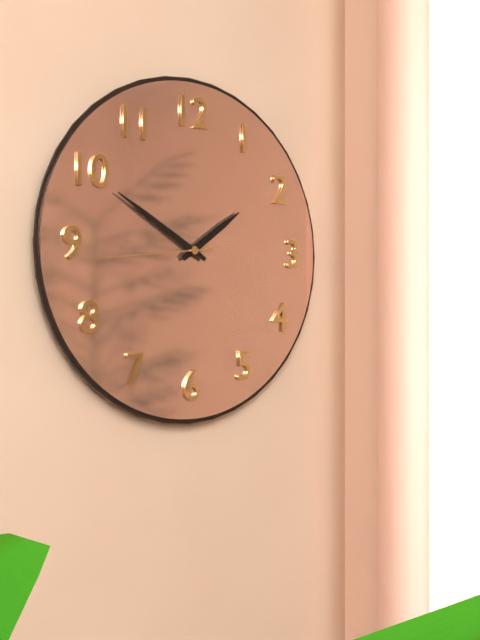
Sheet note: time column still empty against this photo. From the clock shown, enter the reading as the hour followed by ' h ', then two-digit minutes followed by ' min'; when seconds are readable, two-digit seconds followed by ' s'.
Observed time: 1 h 50 min 44 s
